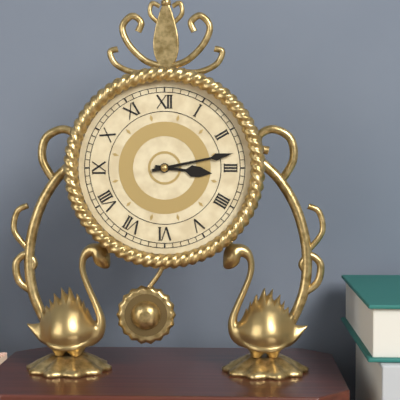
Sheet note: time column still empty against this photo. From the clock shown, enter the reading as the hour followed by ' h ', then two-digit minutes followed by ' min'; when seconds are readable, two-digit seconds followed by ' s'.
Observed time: 3 h 13 min
